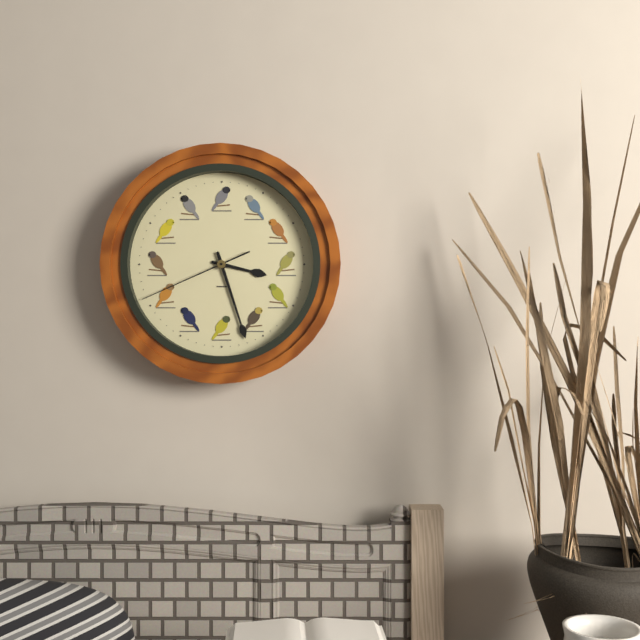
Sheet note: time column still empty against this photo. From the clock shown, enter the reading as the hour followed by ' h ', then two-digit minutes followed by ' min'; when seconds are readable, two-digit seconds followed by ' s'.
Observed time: 3 h 27 min 41 s
